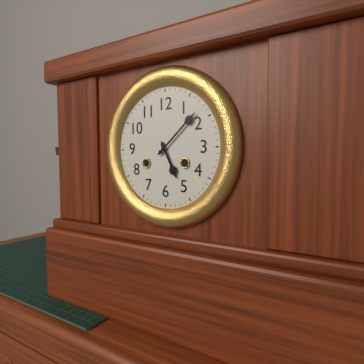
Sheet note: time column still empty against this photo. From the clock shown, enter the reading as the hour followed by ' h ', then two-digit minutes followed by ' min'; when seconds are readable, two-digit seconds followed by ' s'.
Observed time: 5 h 08 min
